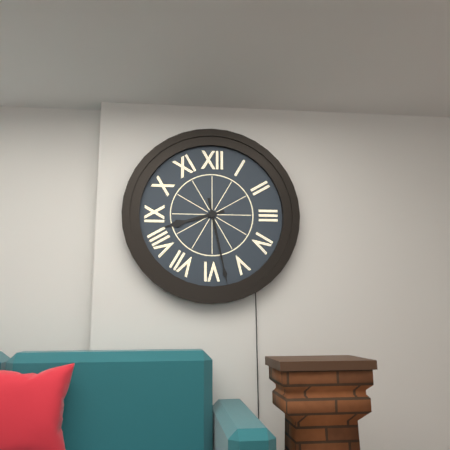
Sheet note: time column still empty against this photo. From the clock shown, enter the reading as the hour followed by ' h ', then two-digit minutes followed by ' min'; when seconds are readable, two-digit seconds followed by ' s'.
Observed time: 8 h 28 min
